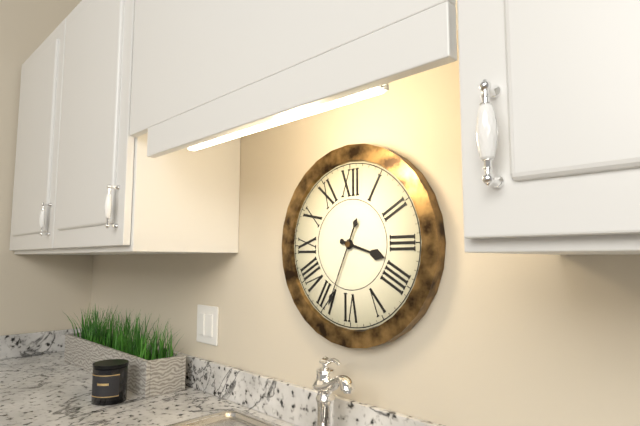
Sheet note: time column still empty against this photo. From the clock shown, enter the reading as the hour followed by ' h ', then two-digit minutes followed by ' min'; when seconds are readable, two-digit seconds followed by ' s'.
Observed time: 3 h 34 min
